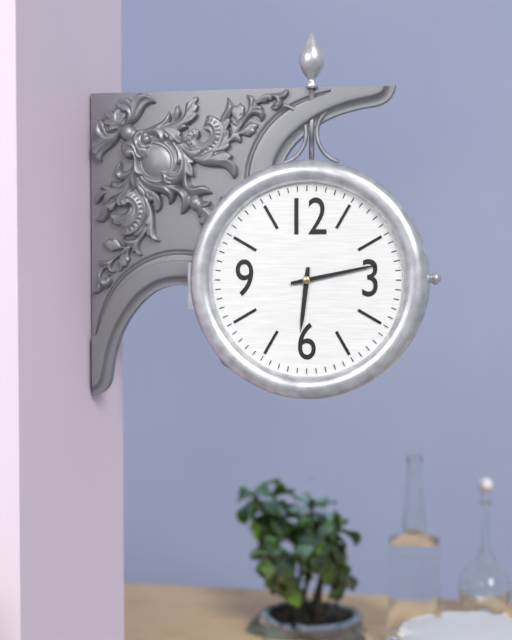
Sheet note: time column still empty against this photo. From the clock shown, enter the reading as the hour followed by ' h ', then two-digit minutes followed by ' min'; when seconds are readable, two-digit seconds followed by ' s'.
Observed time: 6 h 13 min
